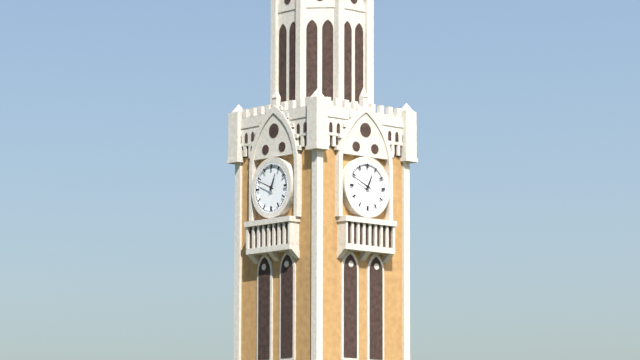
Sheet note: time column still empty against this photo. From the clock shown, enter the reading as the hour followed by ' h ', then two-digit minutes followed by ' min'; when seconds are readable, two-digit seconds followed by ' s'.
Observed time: 12 h 49 min
